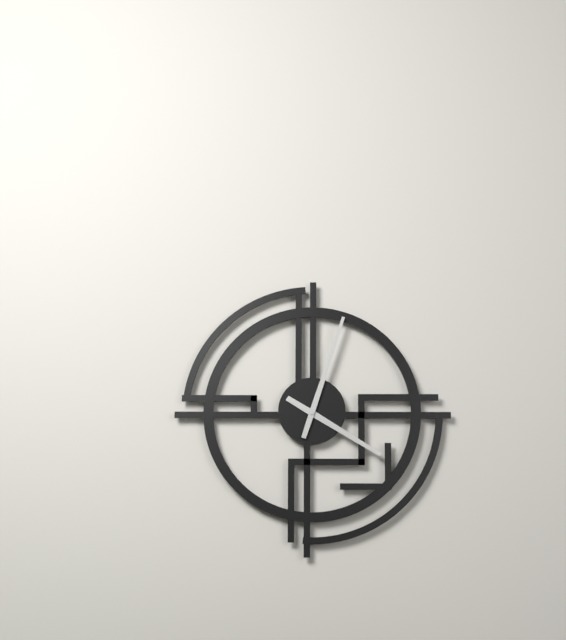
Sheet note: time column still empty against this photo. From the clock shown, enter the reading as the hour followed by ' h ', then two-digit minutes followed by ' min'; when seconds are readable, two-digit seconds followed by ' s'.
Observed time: 4 h 03 min
